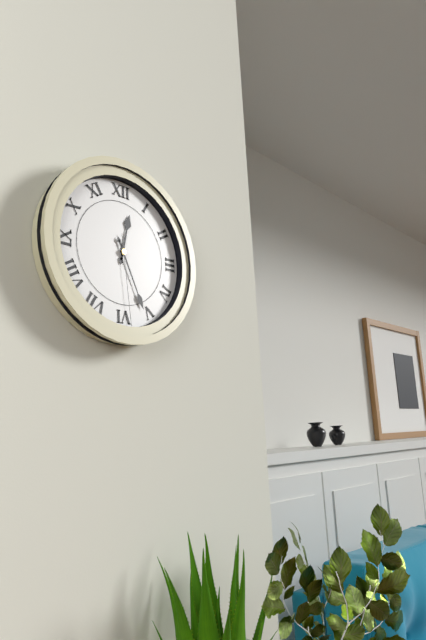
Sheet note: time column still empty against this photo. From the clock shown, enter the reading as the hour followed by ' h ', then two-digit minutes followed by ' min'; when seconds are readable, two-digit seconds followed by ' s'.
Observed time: 12 h 26 min 29 s
